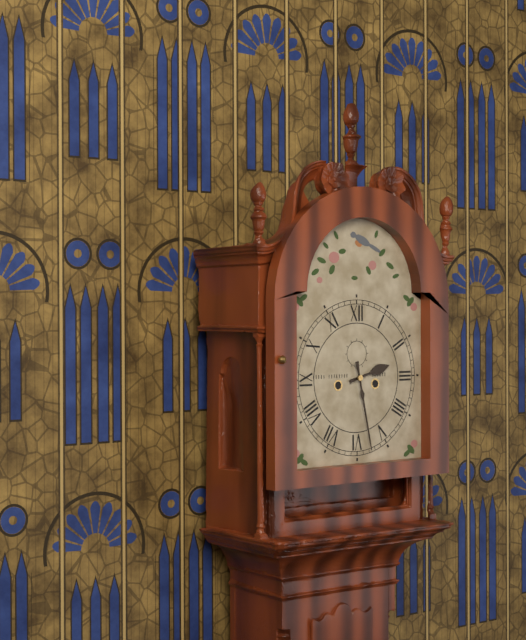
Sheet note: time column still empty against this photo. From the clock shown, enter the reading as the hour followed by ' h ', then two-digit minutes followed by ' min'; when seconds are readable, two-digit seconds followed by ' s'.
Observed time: 2 h 28 min
